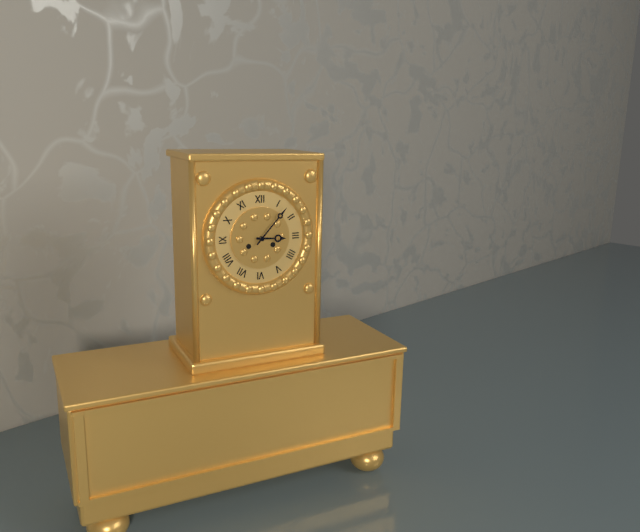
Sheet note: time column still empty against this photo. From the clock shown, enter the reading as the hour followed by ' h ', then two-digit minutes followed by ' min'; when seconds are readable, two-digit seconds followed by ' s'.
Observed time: 3 h 07 min
